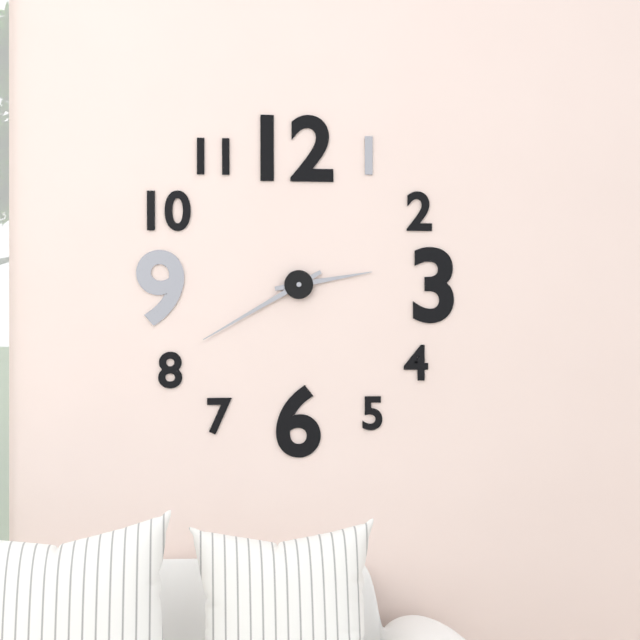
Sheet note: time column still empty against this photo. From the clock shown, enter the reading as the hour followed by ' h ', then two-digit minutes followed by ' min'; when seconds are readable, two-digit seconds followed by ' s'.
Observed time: 2 h 40 min
